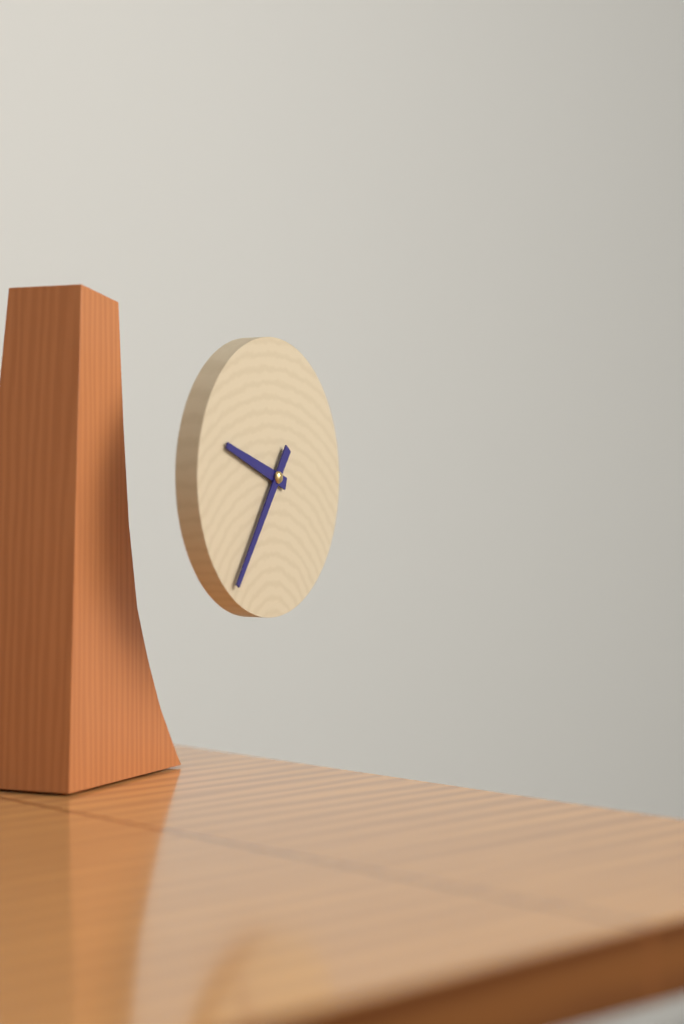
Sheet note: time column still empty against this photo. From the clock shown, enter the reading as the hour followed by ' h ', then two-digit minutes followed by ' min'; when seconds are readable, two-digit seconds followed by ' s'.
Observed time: 9 h 36 min
